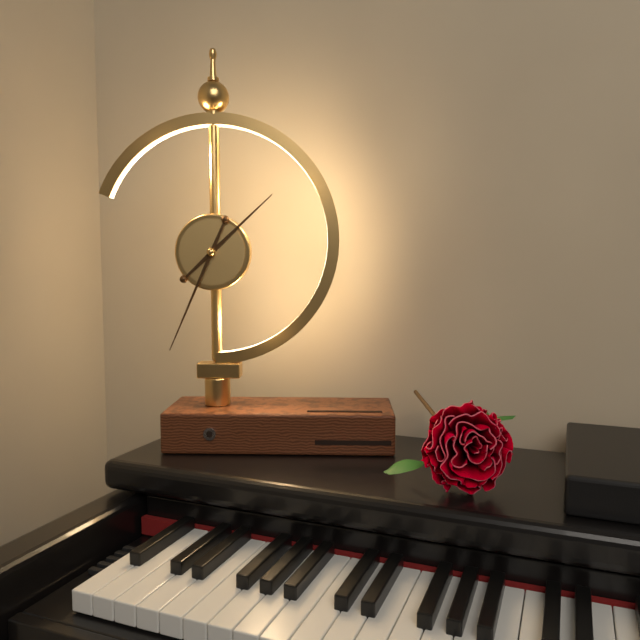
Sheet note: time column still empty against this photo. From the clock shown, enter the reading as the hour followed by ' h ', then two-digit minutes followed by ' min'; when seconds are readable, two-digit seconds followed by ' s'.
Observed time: 1 h 34 min
